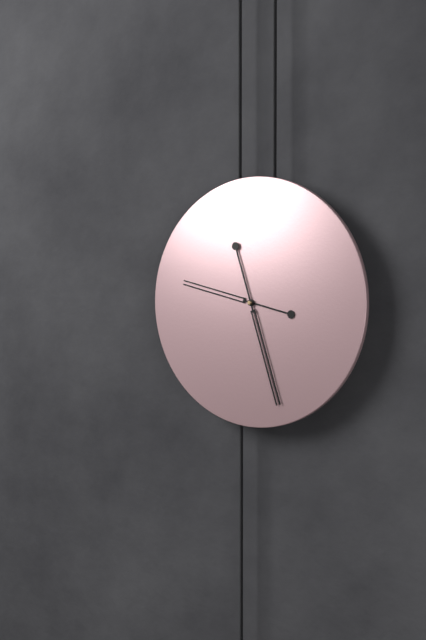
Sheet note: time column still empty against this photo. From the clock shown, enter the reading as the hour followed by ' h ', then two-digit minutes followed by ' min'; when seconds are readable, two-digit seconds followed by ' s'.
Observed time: 9 h 27 min
